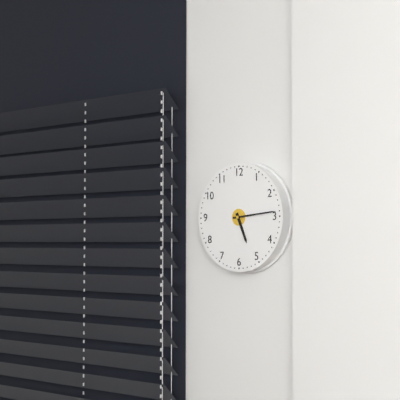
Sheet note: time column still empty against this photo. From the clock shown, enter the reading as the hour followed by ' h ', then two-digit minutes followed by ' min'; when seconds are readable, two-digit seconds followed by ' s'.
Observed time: 5 h 14 min
